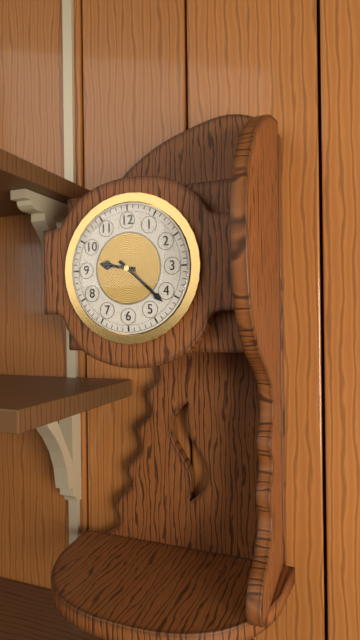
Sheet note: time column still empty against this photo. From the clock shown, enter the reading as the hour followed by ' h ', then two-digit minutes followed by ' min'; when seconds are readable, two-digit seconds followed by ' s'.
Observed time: 9 h 22 min
